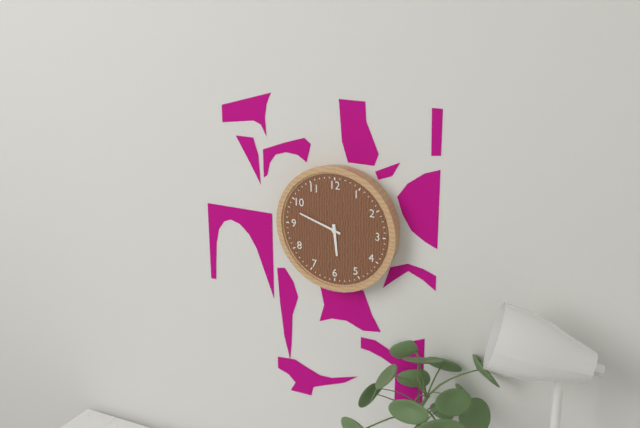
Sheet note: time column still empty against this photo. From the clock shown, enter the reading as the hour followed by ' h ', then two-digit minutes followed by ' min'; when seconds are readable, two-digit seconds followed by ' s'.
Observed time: 5 h 48 min
